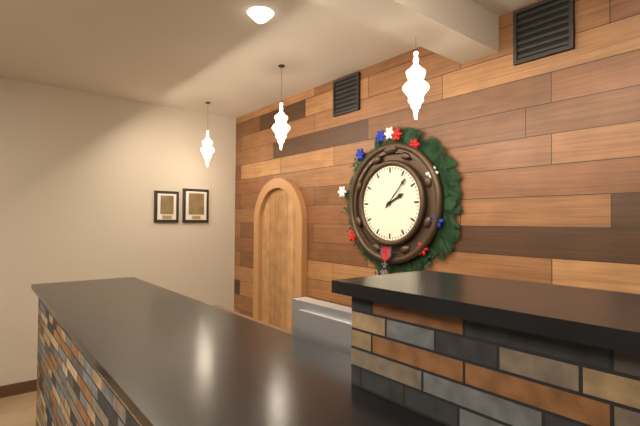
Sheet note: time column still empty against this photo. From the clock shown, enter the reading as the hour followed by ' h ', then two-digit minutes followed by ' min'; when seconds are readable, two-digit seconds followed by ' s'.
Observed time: 2 h 07 min
